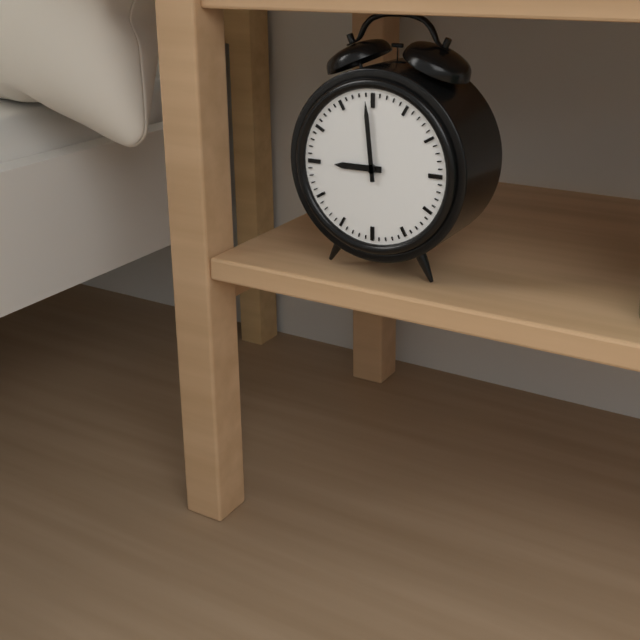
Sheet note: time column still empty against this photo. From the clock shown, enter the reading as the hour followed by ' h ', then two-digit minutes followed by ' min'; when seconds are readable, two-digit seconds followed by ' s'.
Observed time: 8 h 59 min
